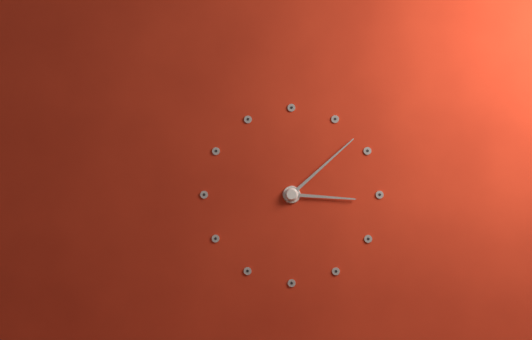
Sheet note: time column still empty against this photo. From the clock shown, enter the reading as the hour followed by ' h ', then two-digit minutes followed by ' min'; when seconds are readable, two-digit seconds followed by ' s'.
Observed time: 3 h 08 min
